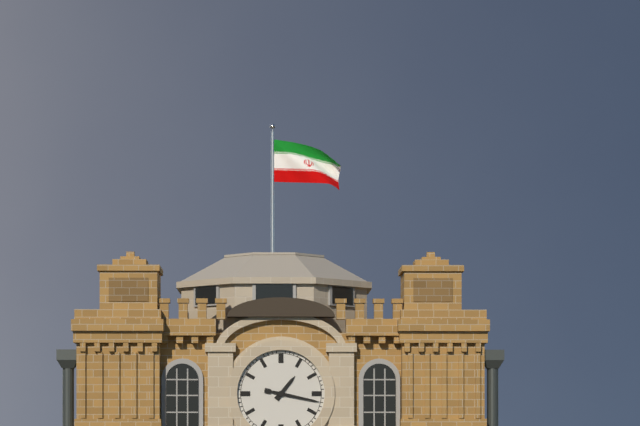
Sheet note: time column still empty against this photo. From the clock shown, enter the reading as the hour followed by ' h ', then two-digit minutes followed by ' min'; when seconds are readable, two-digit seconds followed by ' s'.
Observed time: 1 h 17 min
